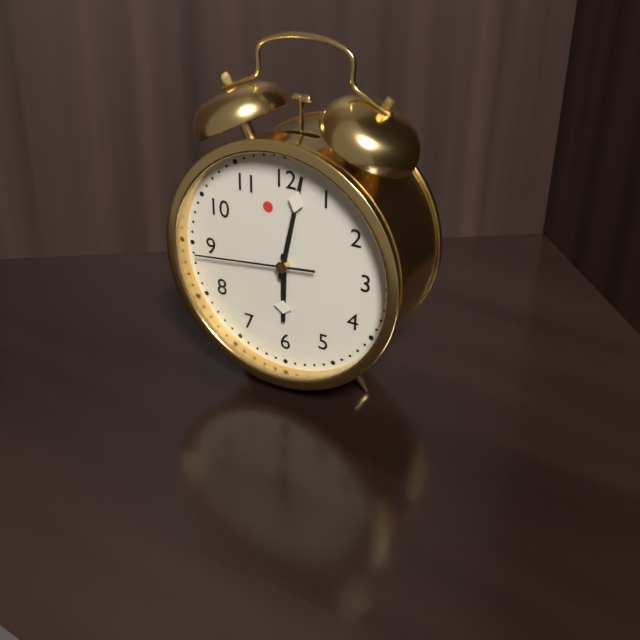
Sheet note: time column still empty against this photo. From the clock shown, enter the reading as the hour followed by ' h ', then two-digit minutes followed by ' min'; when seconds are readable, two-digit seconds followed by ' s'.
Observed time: 6 h 02 min 44 s
